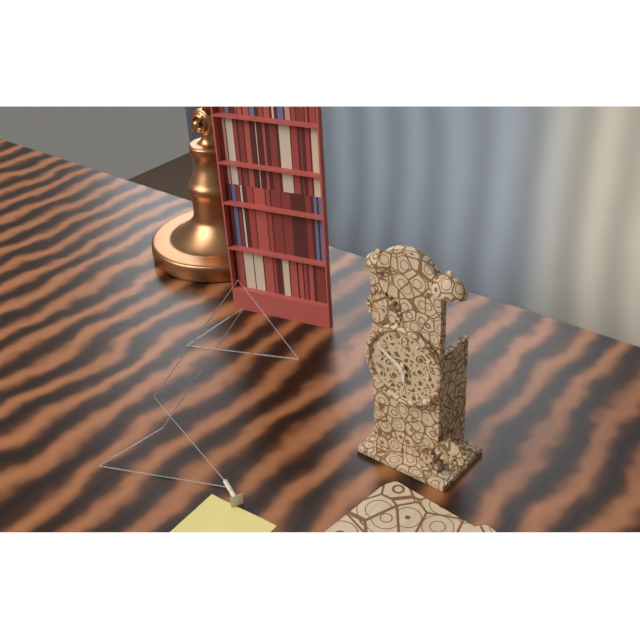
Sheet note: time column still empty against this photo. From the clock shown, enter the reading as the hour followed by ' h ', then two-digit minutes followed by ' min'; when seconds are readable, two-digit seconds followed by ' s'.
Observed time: 5 h 50 min
